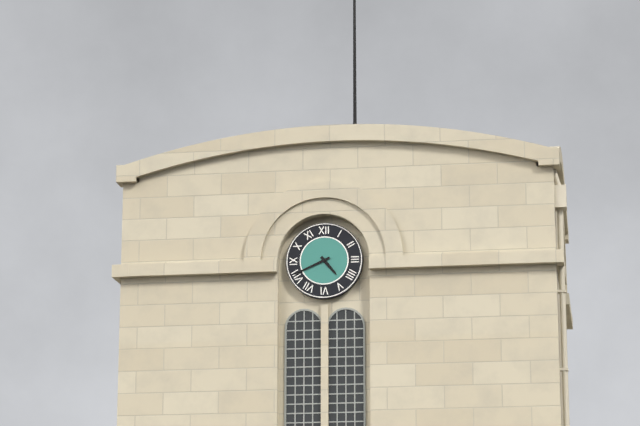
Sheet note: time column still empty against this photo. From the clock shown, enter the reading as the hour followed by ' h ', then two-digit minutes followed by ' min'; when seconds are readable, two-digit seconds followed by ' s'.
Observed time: 4 h 41 min
